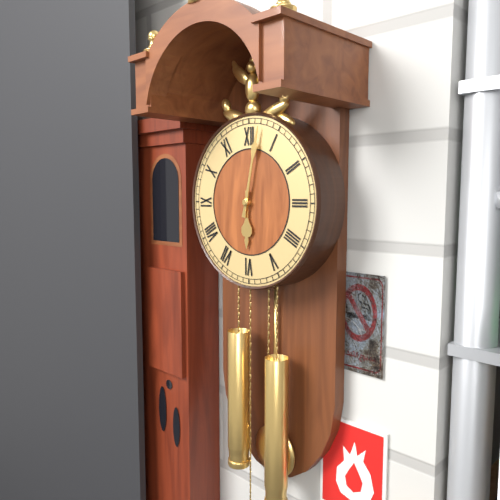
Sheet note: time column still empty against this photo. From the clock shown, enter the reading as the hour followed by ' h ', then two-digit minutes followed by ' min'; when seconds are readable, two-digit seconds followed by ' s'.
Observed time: 6 h 02 min
